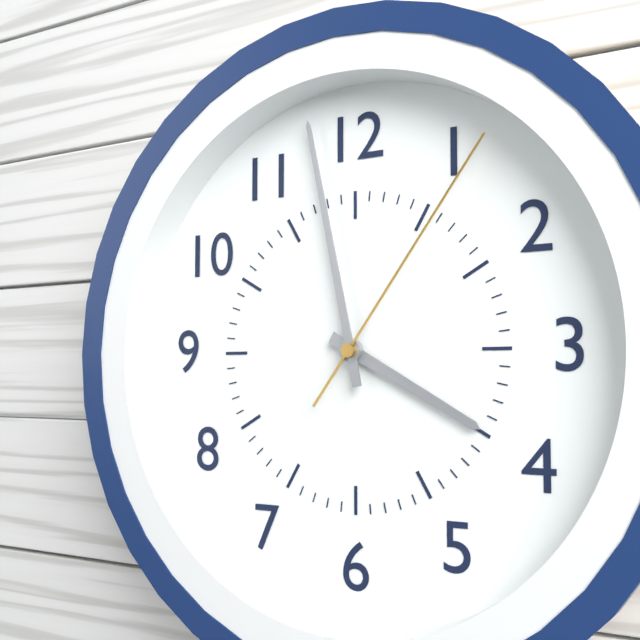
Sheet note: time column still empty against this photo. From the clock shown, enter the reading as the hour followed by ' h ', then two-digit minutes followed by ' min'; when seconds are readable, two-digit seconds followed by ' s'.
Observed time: 3 h 58 min 06 s
